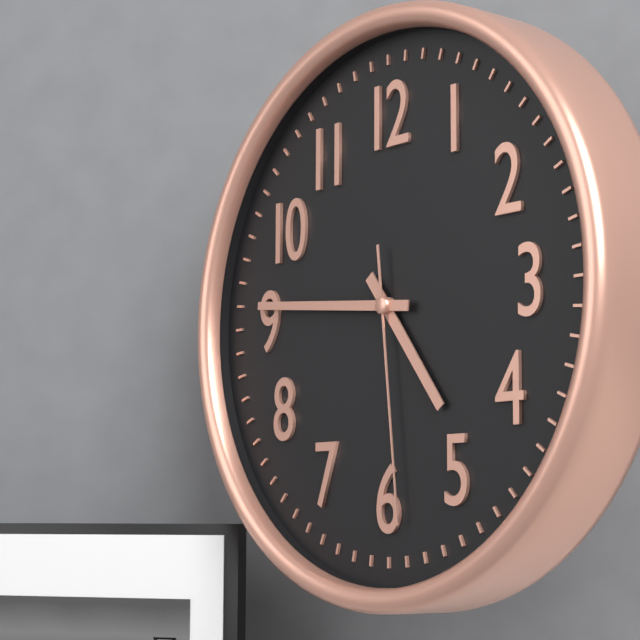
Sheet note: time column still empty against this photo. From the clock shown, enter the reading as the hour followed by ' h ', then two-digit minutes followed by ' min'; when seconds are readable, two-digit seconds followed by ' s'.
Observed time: 4 h 46 min 29 s
